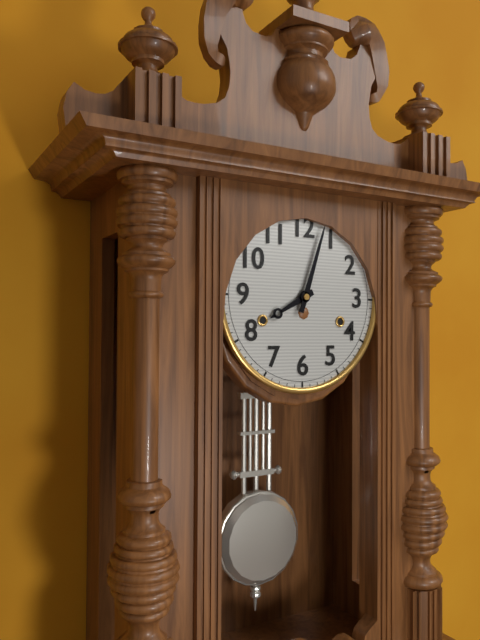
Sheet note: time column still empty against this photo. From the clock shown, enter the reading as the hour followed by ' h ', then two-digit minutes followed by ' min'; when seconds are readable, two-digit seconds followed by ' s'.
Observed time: 8 h 03 min
